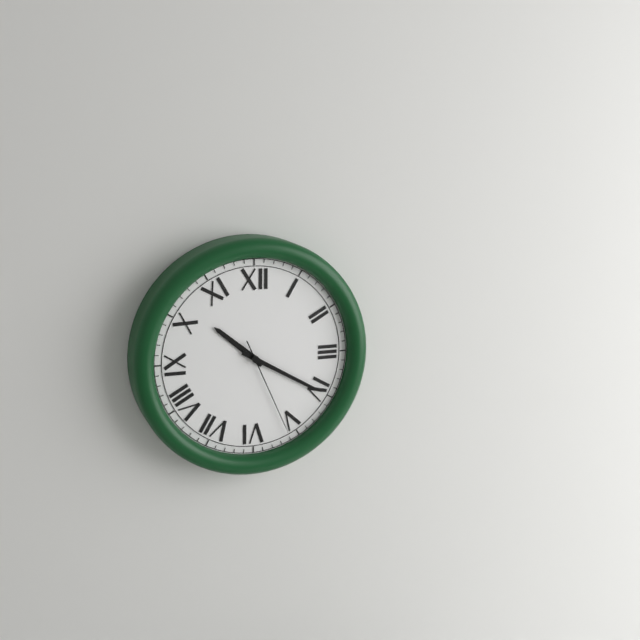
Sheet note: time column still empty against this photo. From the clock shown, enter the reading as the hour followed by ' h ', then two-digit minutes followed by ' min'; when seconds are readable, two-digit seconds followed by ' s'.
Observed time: 10 h 20 min 26 s
